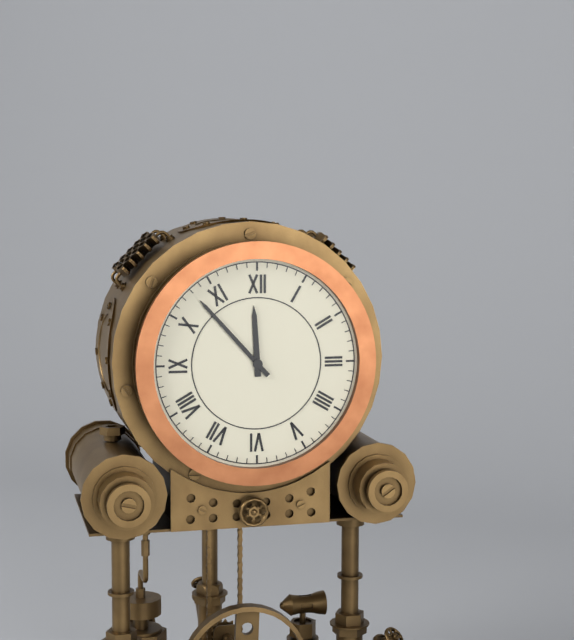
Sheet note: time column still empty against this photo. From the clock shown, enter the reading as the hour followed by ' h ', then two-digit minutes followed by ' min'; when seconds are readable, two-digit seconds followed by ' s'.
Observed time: 11 h 53 min
